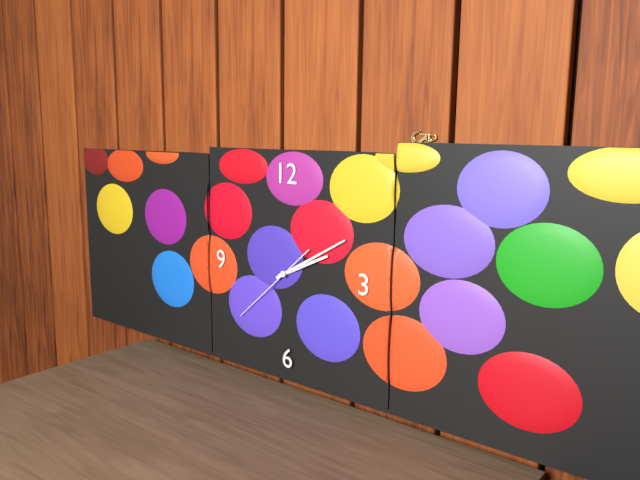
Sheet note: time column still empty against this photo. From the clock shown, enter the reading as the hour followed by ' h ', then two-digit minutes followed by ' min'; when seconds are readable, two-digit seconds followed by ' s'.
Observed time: 2 h 10 min 38 s
